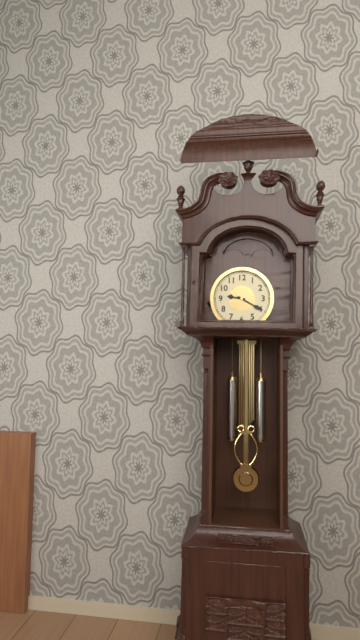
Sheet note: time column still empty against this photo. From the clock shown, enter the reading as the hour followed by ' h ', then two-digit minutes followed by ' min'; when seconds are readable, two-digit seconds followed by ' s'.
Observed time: 9 h 20 min
